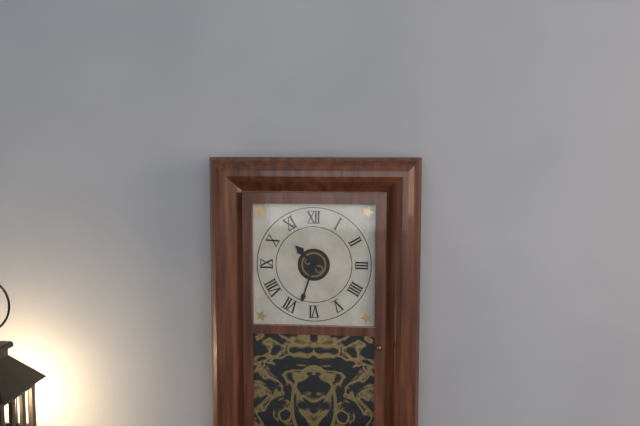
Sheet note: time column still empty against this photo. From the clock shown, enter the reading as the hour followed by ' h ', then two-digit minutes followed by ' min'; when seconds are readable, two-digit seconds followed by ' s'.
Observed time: 10 h 33 min
